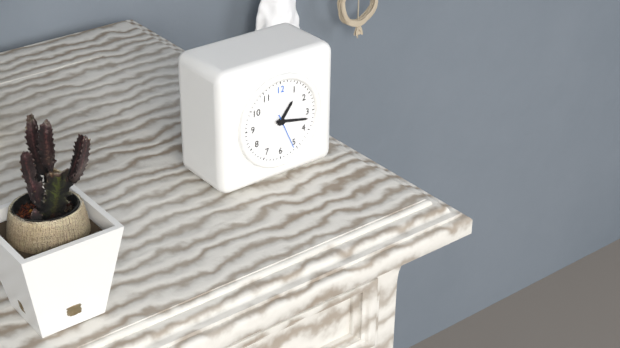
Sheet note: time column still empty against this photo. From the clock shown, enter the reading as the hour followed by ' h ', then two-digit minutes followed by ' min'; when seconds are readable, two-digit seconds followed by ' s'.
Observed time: 1 h 17 min
